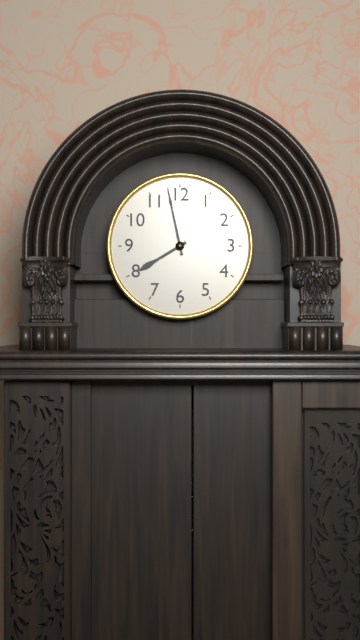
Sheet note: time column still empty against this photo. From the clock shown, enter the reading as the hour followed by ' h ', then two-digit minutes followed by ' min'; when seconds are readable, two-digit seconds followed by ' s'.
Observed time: 7 h 58 min
